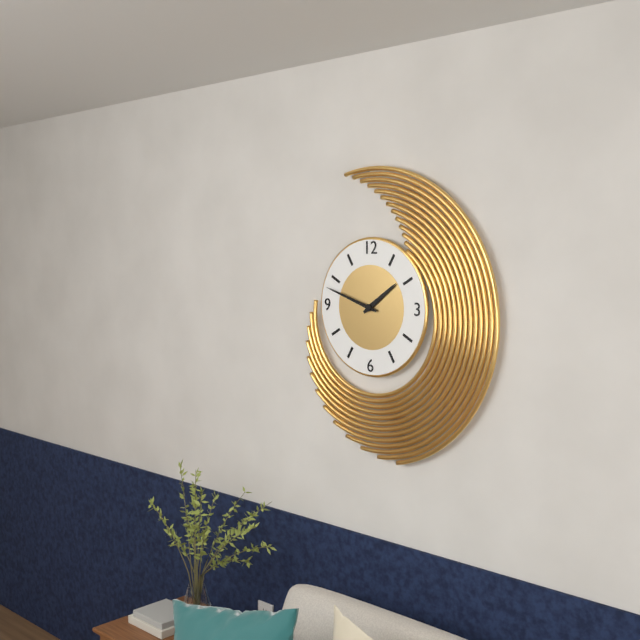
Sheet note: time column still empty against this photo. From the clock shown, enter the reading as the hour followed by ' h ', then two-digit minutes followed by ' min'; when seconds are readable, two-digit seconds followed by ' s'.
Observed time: 1 h 48 min
